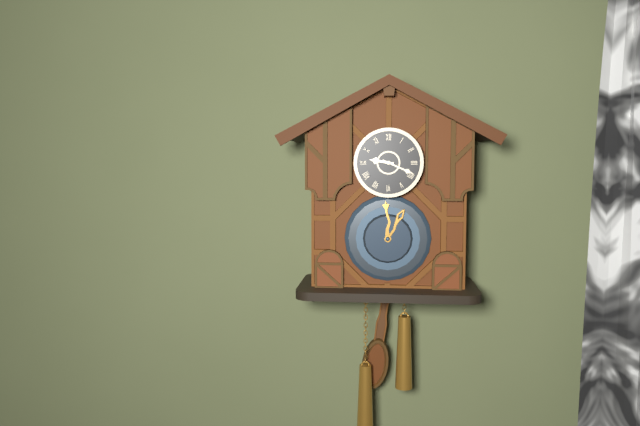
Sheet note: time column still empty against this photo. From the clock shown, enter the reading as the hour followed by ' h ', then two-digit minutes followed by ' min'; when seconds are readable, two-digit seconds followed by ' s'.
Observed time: 9 h 19 min
